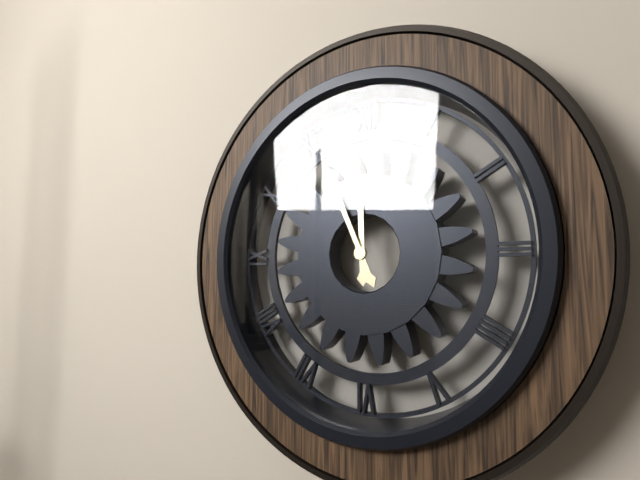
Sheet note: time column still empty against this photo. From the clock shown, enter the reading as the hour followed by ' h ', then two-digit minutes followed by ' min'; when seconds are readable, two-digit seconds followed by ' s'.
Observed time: 11 h 56 min
